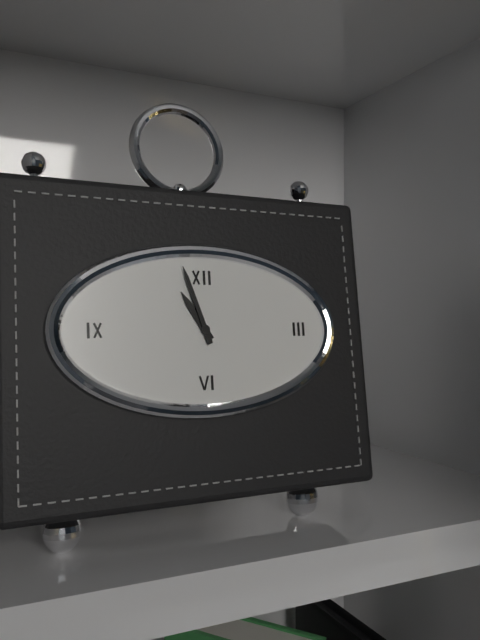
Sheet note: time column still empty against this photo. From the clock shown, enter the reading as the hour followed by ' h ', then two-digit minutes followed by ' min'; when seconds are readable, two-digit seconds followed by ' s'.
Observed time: 10 h 57 min
